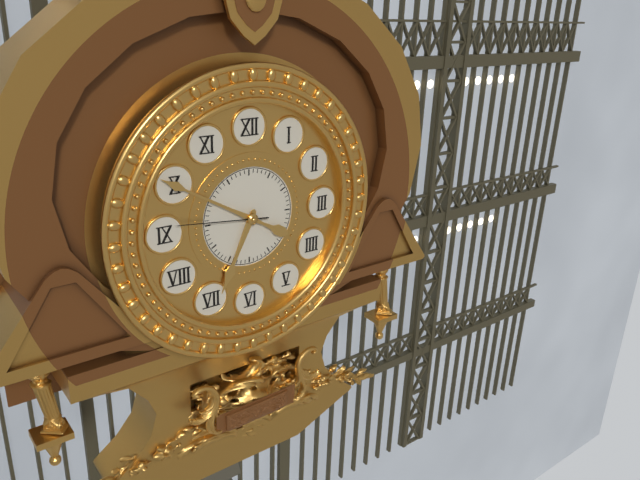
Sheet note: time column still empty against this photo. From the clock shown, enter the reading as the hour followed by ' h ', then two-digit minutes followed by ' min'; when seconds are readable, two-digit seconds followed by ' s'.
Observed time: 6 h 50 min 46 s
